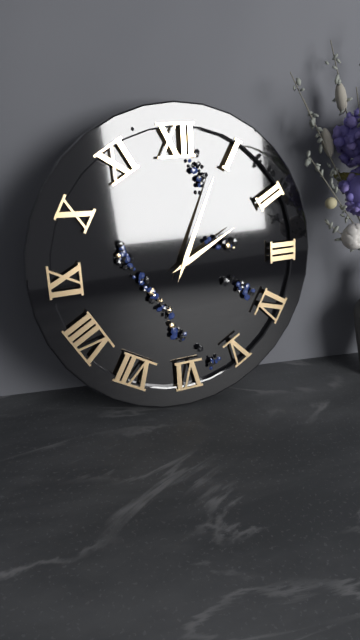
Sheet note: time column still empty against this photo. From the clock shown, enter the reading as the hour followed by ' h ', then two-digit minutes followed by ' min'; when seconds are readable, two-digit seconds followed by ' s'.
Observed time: 2 h 04 min
